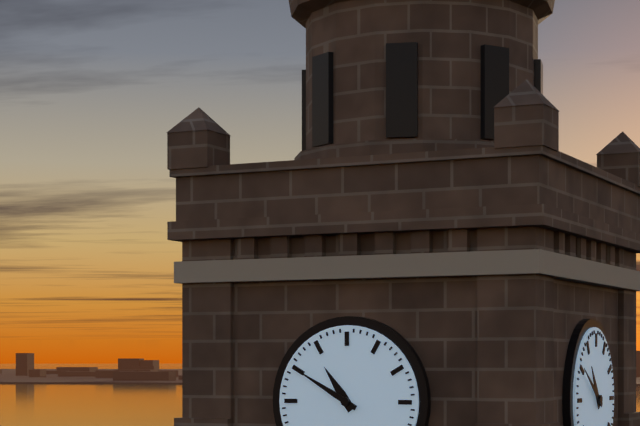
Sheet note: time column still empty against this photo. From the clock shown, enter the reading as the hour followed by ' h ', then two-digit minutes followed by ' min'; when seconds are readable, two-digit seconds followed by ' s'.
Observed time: 10 h 50 min
